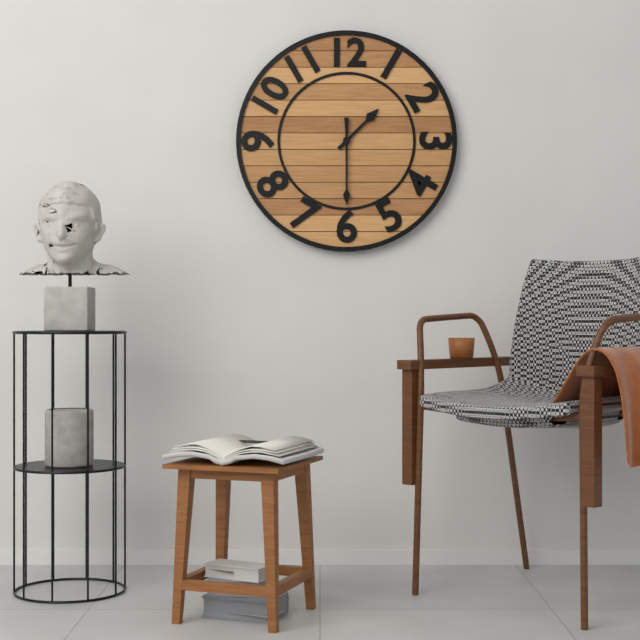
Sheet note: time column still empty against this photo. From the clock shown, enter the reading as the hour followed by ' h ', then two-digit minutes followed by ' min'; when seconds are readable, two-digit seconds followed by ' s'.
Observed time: 1 h 30 min
